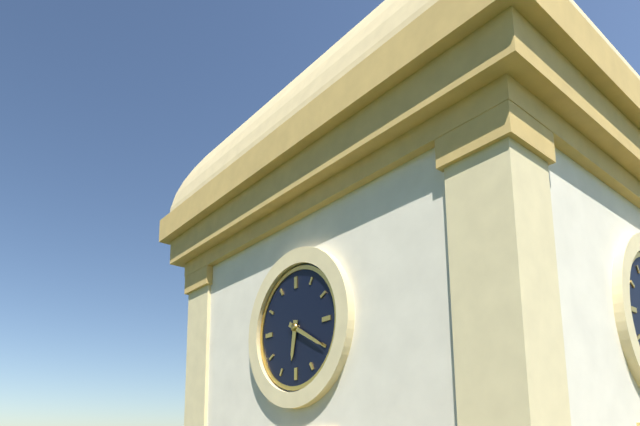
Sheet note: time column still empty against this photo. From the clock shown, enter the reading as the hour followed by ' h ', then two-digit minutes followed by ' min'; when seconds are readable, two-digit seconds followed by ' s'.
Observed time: 6 h 20 min
